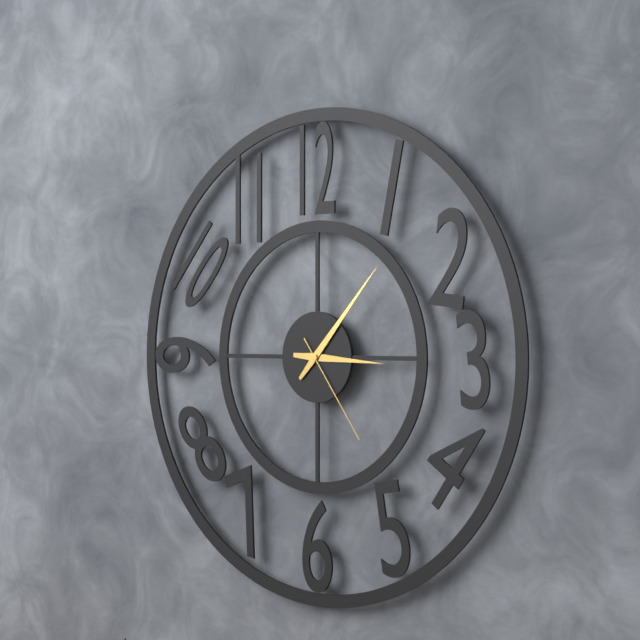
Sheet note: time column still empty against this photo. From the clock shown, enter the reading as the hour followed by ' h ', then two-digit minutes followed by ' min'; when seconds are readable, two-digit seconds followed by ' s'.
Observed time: 3 h 07 min 24 s
